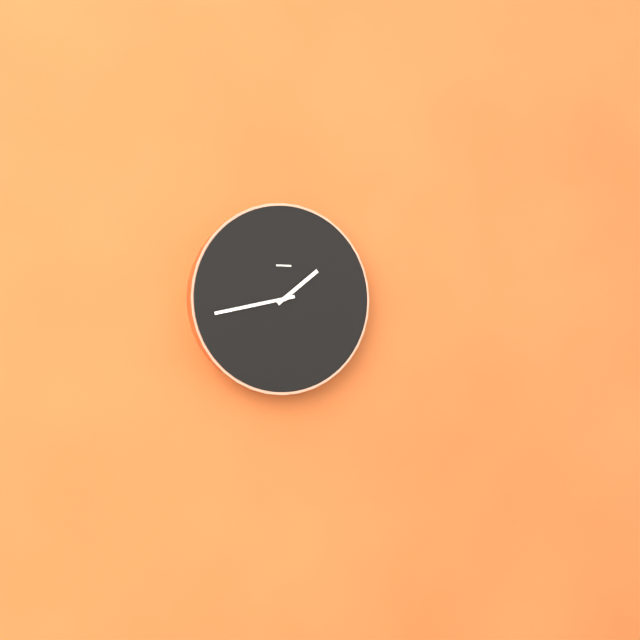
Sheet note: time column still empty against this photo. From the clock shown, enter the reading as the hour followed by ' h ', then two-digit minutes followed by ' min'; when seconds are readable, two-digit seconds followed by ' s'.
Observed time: 1 h 43 min
